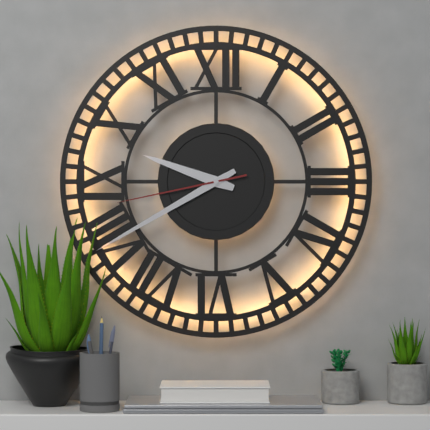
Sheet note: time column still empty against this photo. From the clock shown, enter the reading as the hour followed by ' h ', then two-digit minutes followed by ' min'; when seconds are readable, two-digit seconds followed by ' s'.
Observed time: 9 h 40 min 43 s
